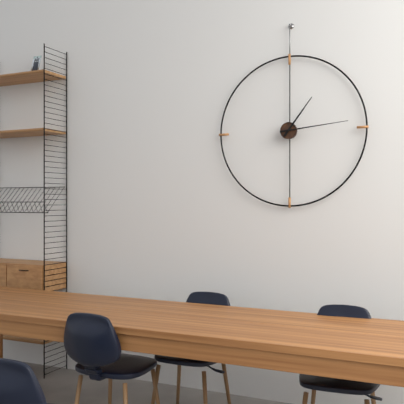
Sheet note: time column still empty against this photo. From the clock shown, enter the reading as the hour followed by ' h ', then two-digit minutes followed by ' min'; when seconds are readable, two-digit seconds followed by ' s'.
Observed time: 1 h 14 min
